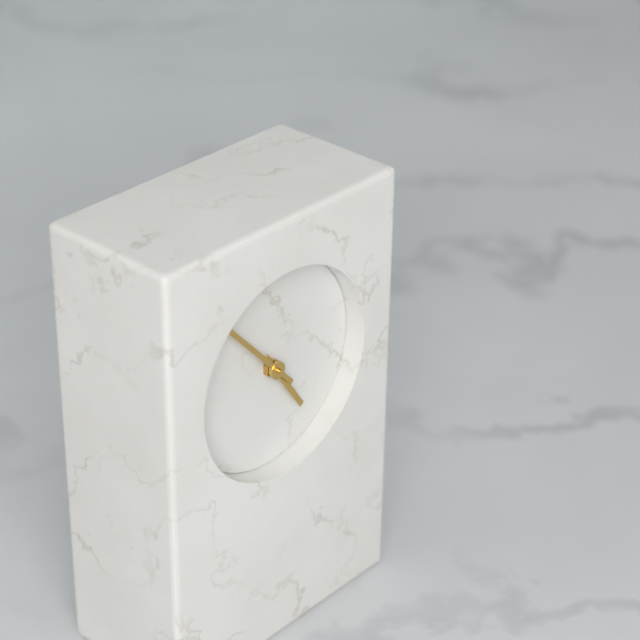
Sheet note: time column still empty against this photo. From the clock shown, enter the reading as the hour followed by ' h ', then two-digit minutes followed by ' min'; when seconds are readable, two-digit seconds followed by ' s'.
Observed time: 4 h 53 min
